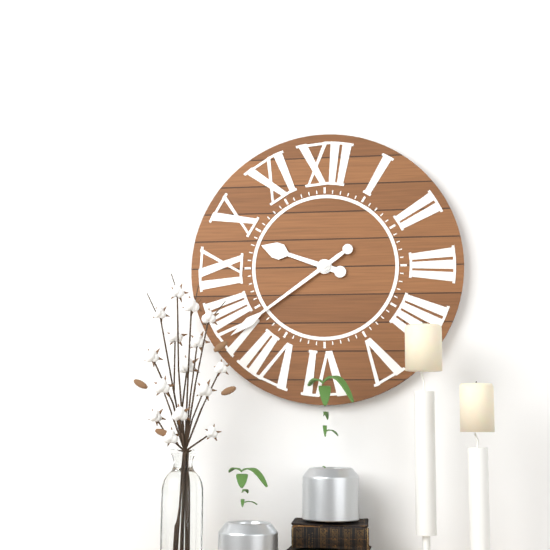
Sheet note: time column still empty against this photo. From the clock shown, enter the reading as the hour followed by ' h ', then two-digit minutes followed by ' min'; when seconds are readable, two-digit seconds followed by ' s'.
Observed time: 9 h 39 min
